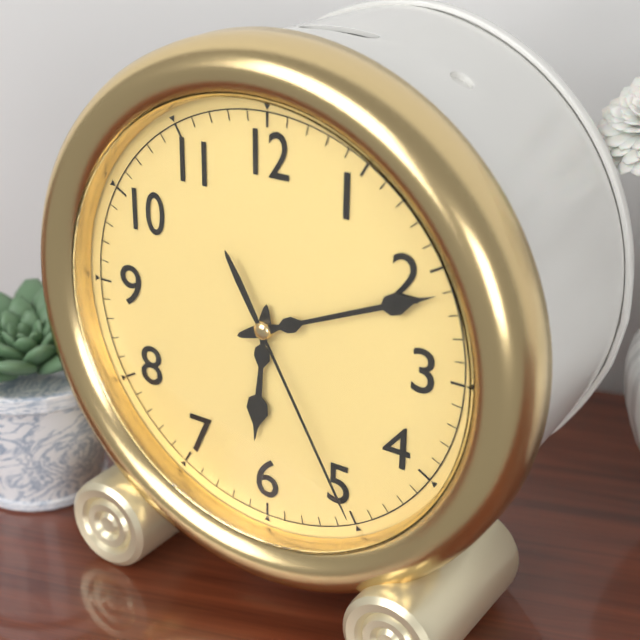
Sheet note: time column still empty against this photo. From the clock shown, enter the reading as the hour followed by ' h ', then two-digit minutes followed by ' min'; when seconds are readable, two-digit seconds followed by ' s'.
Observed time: 6 h 11 min 25 s
